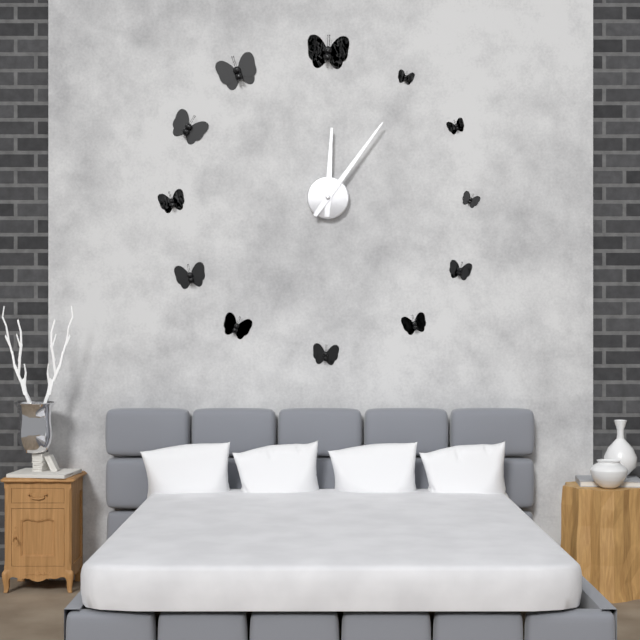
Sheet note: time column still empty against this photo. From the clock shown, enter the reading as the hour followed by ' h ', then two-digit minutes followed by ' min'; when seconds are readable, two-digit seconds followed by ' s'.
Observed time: 12 h 06 min
